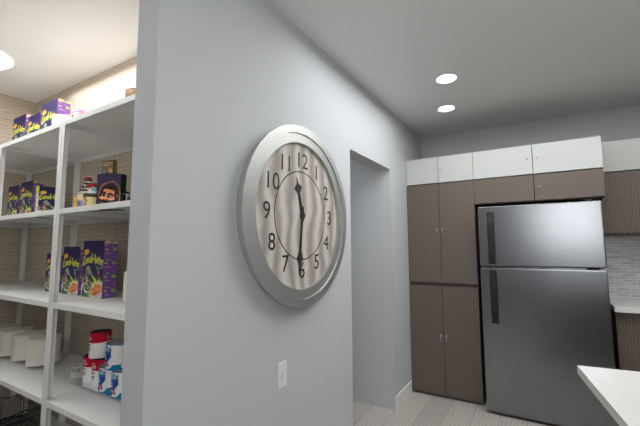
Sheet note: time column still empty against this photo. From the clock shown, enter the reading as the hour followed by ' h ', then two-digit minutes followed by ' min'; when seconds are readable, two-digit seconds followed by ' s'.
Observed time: 11 h 31 min
